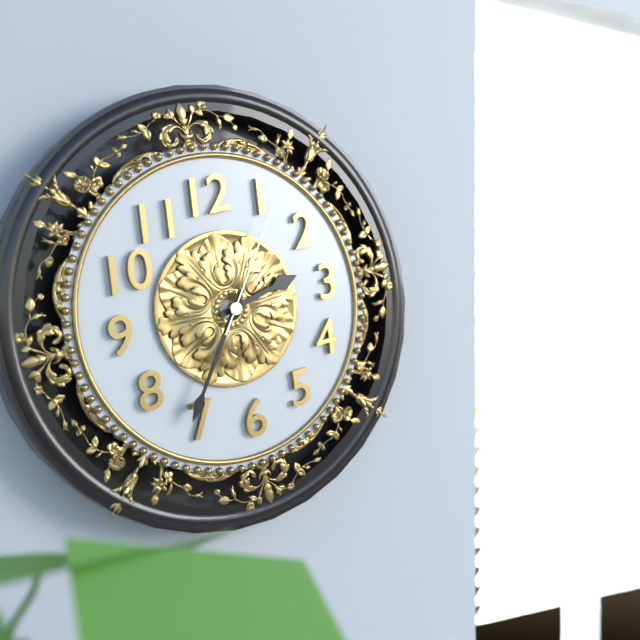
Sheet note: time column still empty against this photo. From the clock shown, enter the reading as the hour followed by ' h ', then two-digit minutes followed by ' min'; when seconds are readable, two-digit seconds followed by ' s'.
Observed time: 2 h 36 min 06 s
